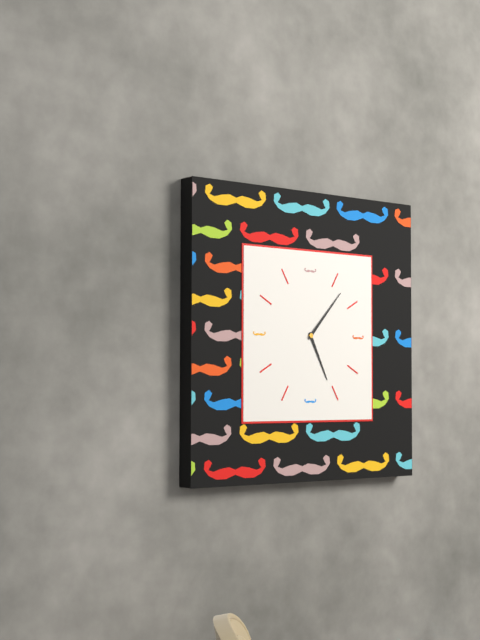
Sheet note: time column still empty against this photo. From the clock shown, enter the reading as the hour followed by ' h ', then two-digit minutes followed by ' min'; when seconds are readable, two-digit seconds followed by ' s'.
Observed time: 5 h 07 min
